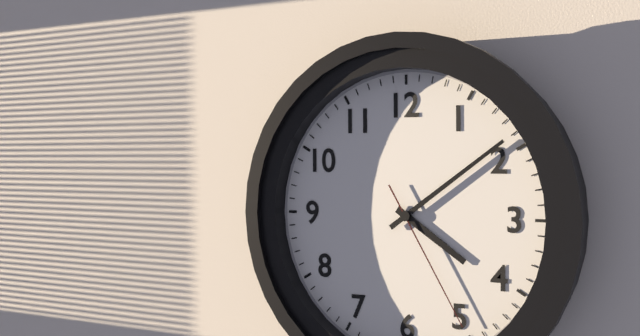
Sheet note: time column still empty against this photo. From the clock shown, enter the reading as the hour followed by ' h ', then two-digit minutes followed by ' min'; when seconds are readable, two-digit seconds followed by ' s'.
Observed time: 4 h 09 min 25 s
